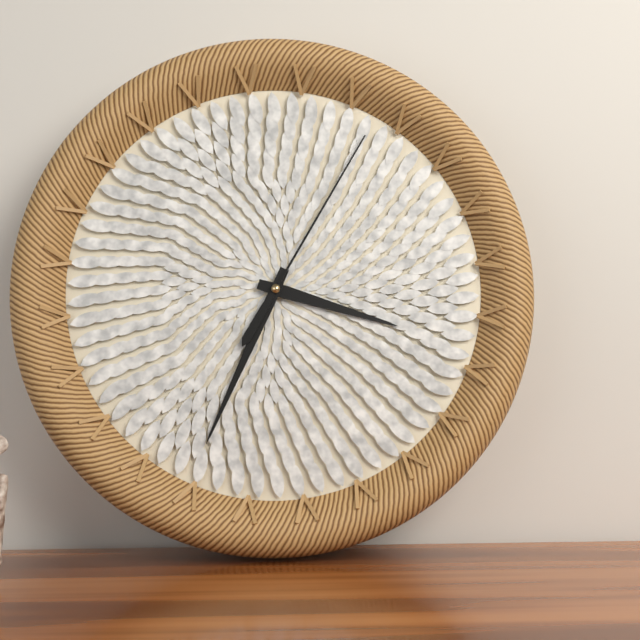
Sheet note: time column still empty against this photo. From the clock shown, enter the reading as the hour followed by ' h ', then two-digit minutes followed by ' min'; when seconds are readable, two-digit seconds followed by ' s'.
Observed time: 3 h 34 min 05 s
